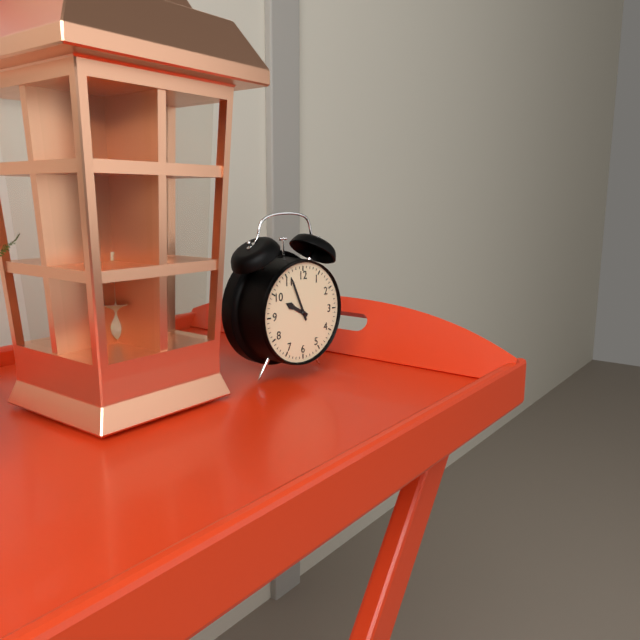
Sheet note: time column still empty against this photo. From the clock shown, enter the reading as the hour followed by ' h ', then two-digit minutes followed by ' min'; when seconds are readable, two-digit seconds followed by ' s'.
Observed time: 9 h 56 min
